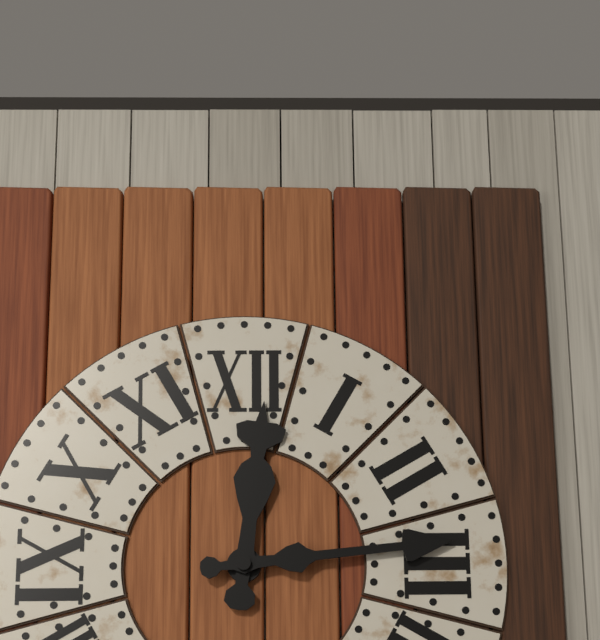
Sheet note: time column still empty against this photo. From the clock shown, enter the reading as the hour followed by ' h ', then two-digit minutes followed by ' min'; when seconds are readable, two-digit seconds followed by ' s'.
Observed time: 12 h 14 min
